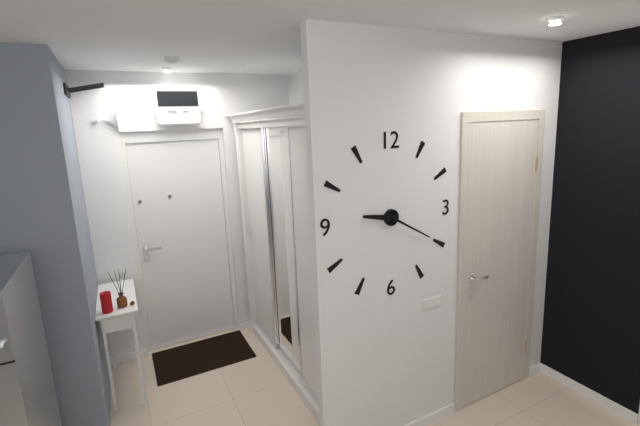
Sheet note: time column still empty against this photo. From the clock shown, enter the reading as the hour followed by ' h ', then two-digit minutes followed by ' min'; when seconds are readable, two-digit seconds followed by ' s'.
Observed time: 9 h 20 min
